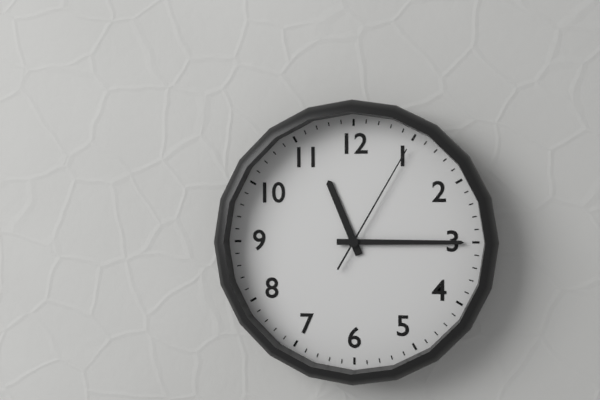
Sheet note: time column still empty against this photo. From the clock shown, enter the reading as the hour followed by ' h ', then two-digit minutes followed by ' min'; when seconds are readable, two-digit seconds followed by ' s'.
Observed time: 11 h 15 min 05 s
